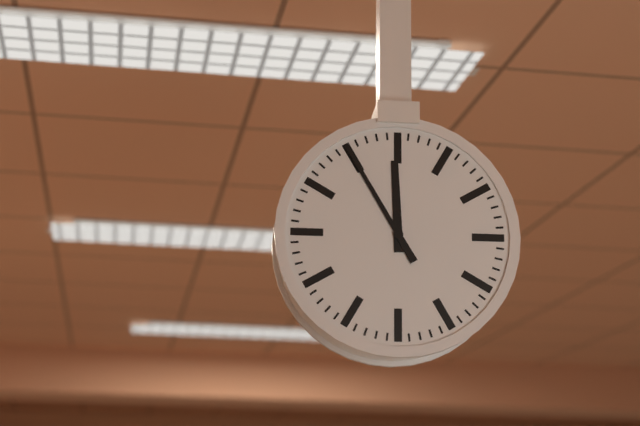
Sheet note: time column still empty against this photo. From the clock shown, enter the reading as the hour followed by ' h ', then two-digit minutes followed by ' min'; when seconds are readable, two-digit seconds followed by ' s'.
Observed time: 11 h 55 min
